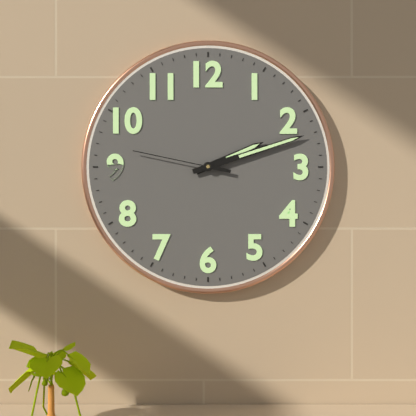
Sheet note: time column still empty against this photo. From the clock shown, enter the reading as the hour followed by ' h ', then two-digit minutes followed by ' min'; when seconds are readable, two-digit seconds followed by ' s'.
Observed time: 2 h 12 min 47 s
